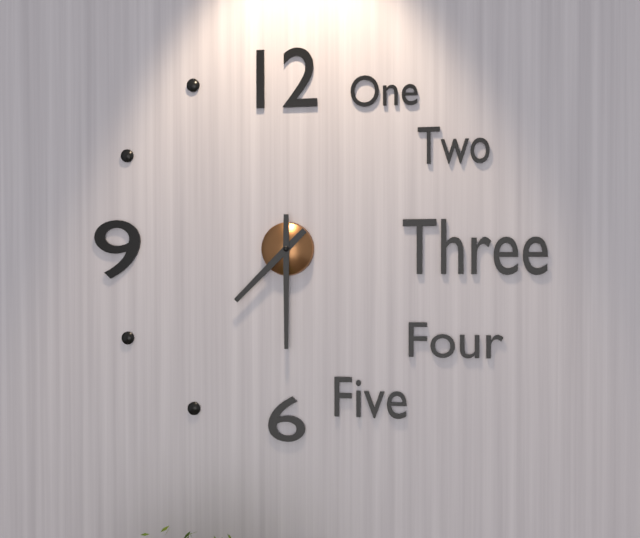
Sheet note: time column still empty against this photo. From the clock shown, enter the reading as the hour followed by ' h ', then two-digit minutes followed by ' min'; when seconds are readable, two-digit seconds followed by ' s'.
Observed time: 7 h 30 min
